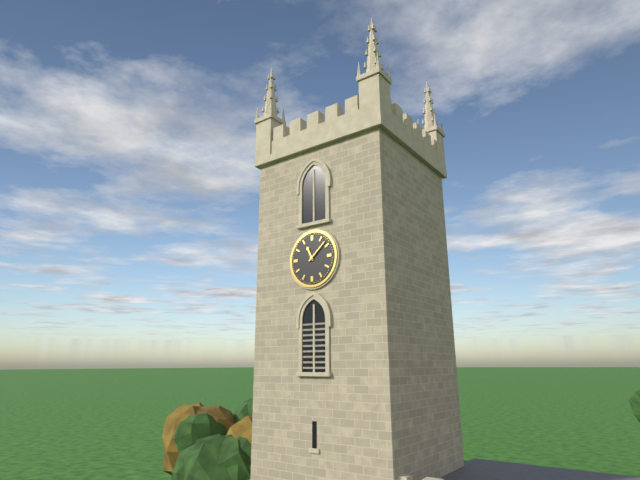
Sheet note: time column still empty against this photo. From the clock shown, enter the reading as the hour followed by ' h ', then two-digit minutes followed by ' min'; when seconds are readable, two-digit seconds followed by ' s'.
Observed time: 11 h 08 min
